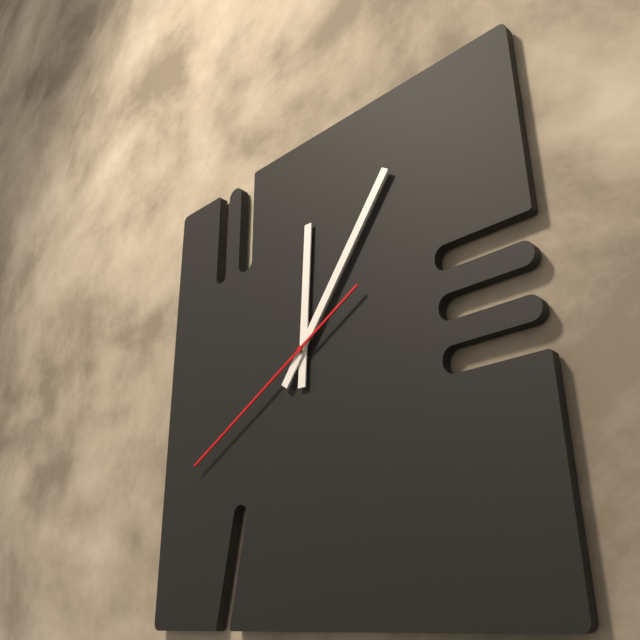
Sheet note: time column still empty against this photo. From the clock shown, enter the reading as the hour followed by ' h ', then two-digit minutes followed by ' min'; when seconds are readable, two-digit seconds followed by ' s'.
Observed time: 12 h 06 min 40 s
